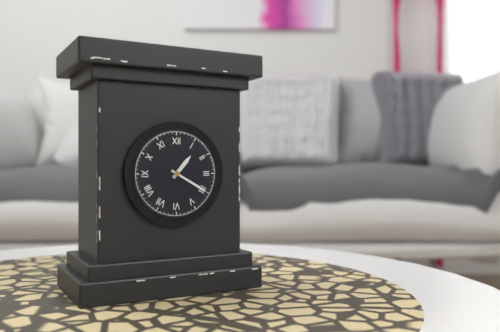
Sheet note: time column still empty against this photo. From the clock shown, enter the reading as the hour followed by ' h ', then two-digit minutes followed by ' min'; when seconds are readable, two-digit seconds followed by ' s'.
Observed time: 1 h 20 min
